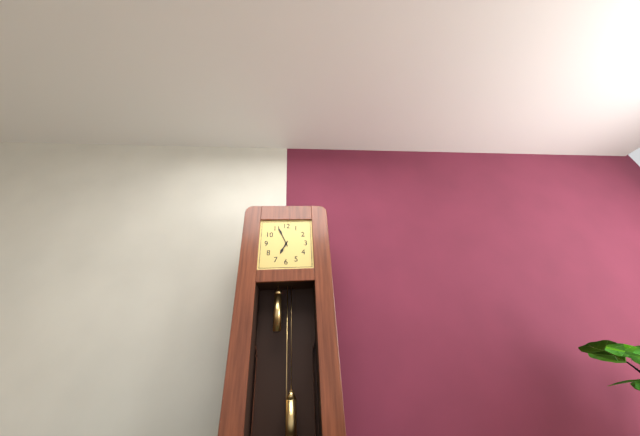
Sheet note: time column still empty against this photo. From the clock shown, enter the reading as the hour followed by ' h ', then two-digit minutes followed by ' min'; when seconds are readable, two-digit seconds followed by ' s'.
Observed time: 6 h 56 min
